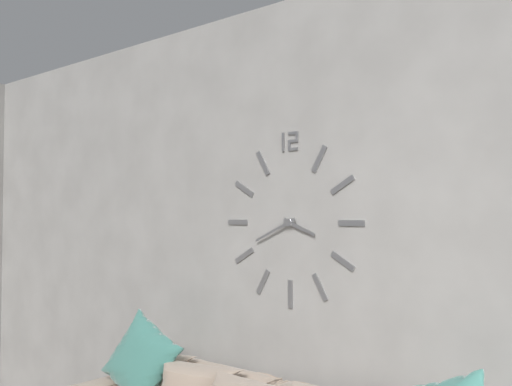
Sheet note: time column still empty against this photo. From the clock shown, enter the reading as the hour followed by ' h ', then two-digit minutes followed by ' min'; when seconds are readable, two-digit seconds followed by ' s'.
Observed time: 3 h 41 min
